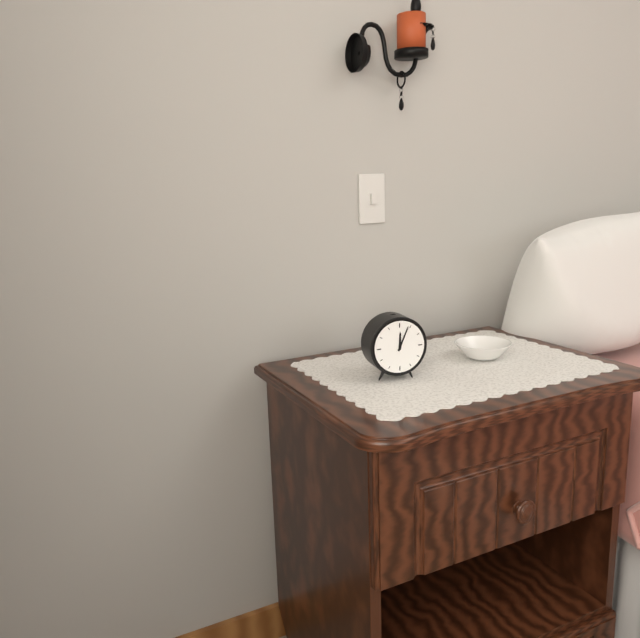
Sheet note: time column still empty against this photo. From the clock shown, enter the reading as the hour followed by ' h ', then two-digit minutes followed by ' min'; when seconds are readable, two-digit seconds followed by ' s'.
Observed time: 12 h 04 min
